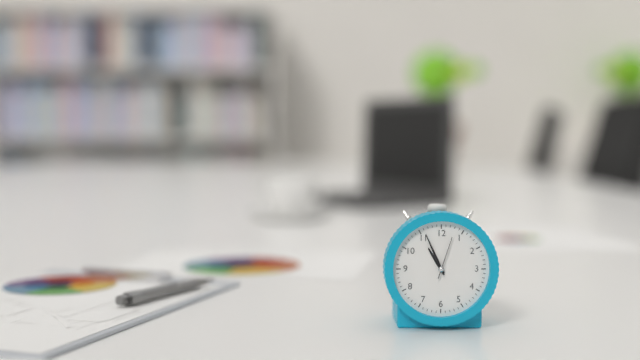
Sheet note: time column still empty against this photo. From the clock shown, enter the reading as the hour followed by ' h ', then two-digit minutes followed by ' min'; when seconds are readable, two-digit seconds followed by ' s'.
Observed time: 10 h 56 min
